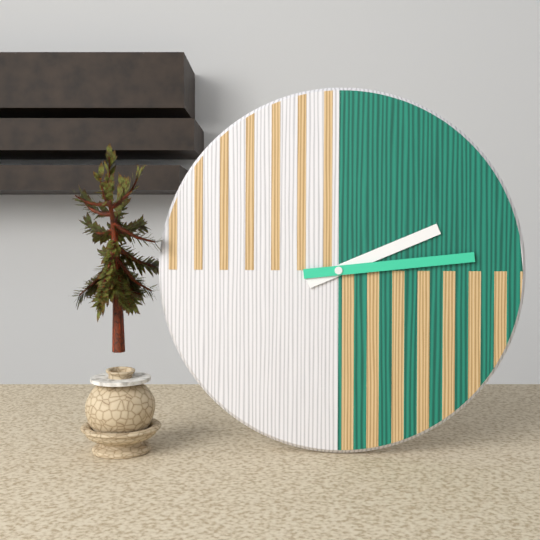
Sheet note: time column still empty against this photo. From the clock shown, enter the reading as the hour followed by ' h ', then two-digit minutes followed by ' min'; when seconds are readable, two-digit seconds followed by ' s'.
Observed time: 2 h 14 min
